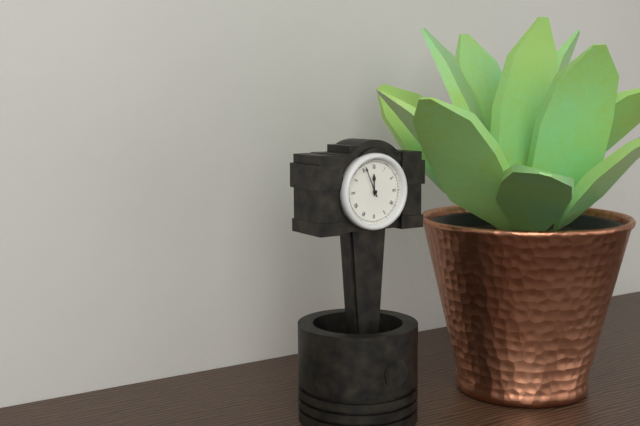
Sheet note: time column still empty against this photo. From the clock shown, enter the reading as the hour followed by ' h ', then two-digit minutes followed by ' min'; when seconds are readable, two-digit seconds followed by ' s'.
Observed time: 11 h 56 min
